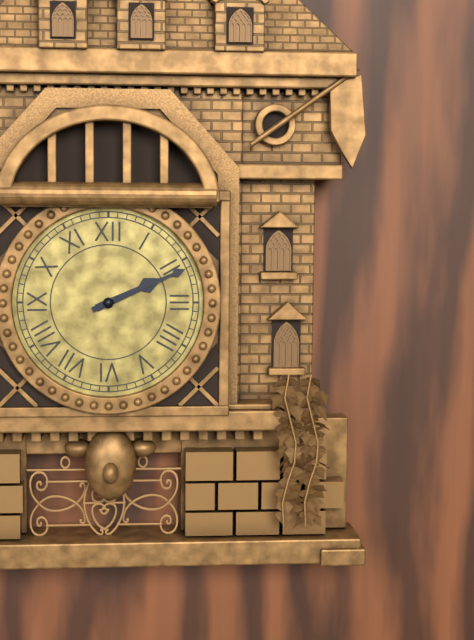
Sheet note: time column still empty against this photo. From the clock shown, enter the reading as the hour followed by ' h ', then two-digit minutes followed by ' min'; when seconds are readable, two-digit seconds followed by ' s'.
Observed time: 2 h 11 min
